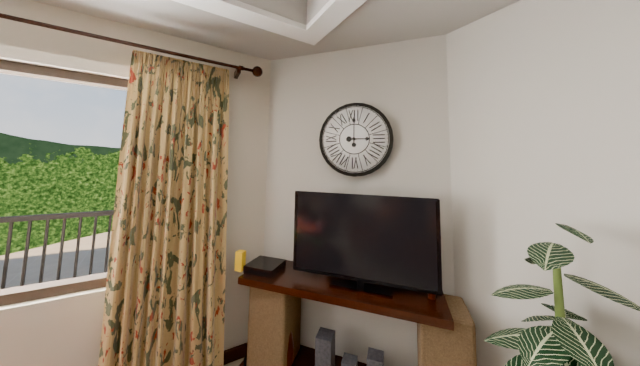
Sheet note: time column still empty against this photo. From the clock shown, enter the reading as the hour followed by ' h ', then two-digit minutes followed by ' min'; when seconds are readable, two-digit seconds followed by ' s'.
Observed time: 3 h 00 min
